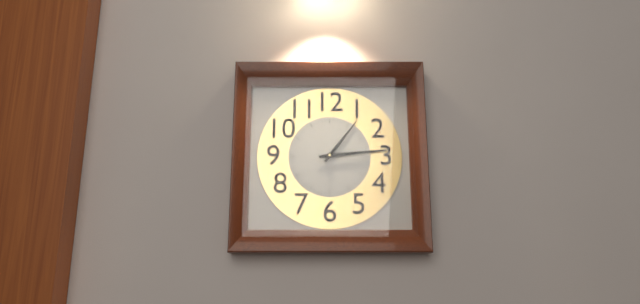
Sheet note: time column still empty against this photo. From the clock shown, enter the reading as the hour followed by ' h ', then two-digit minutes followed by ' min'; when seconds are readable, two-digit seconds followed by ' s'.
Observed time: 1 h 14 min
